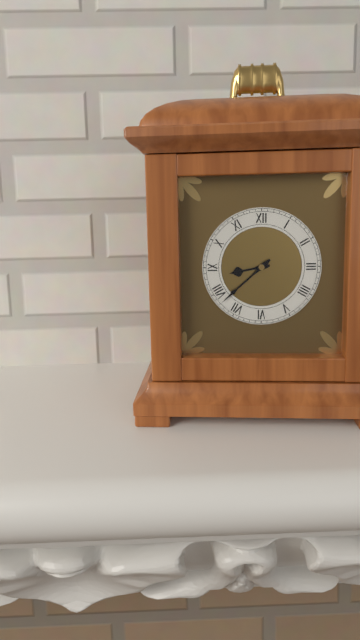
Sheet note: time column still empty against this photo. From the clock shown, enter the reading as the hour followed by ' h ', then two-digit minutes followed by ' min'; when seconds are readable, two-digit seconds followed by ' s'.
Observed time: 8 h 38 min
